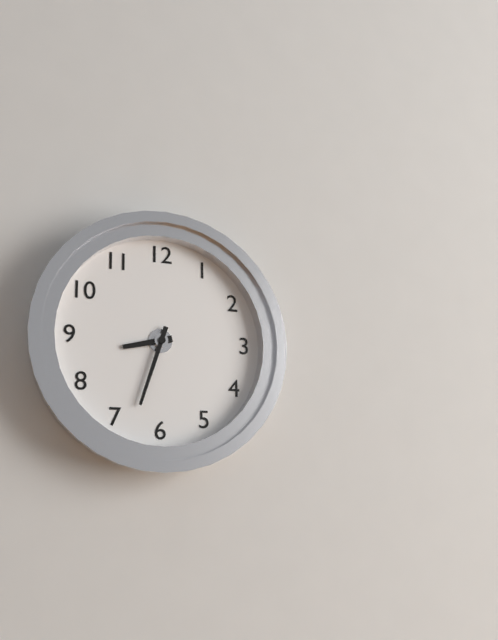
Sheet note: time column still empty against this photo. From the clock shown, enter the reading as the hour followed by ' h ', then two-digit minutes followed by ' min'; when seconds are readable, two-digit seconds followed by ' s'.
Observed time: 8 h 33 min
